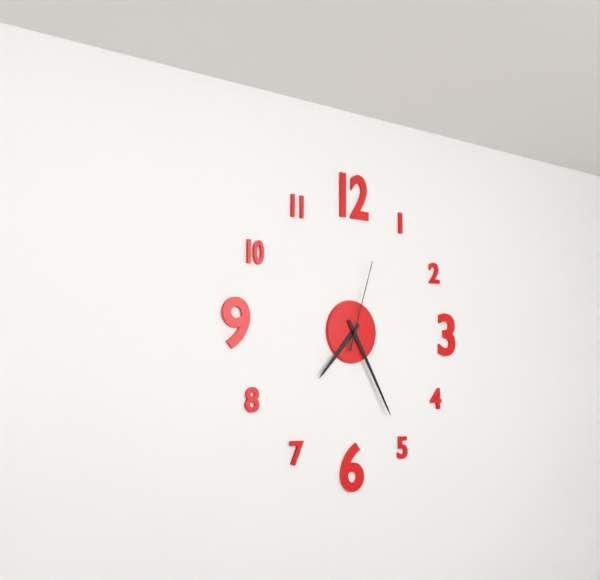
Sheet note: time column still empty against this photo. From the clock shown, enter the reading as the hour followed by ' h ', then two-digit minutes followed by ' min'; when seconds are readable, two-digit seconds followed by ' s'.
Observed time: 7 h 25 min 03 s
